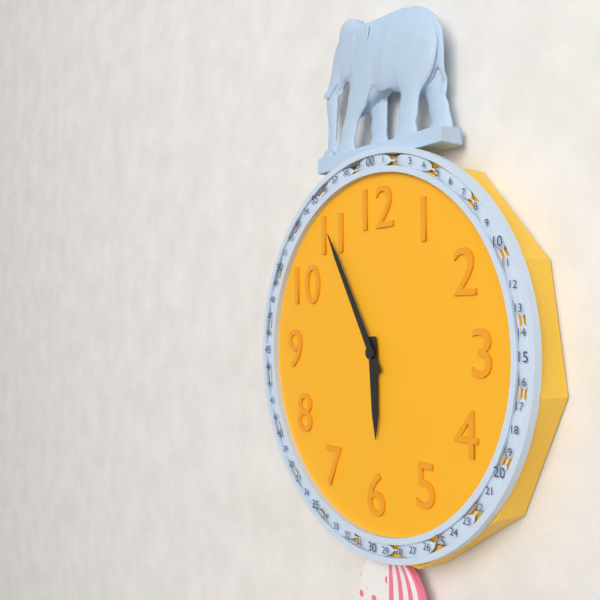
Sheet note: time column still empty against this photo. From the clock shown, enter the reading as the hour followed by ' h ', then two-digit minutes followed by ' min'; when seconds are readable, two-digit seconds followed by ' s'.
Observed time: 5 h 55 min
